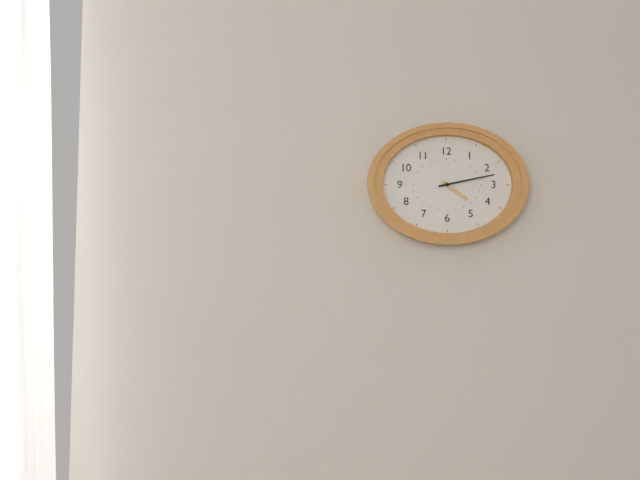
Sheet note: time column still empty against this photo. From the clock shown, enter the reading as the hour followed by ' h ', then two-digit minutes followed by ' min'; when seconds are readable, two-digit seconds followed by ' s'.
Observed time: 4 h 13 min
